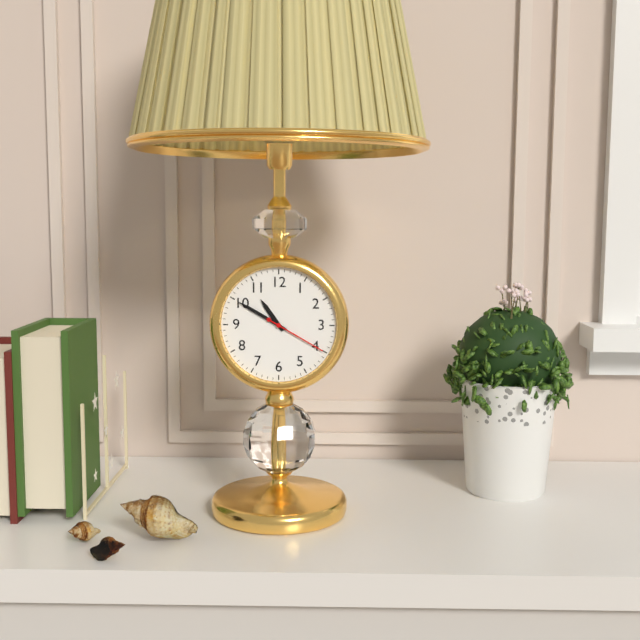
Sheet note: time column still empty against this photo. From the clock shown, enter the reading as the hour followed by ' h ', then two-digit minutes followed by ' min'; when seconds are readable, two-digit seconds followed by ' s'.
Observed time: 10 h 50 min 20 s
